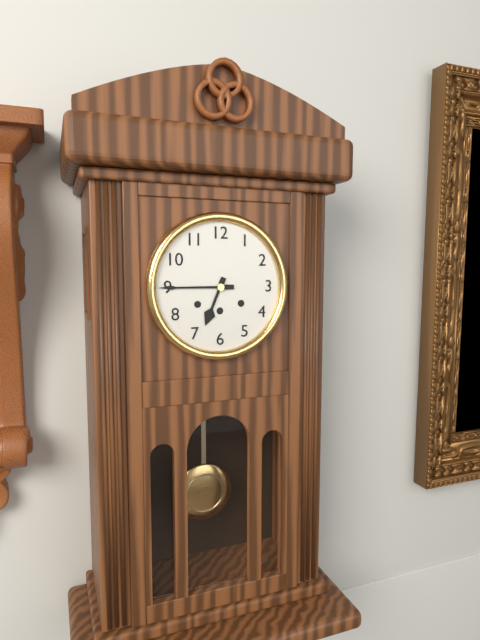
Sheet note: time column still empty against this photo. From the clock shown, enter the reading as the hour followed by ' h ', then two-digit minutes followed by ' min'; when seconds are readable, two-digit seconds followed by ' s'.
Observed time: 6 h 45 min
